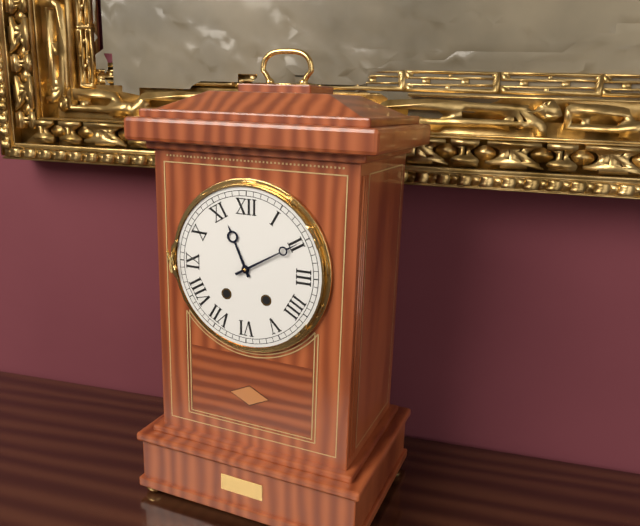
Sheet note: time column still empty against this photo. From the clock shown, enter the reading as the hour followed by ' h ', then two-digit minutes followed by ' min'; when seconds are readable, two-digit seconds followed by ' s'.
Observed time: 11 h 10 min
